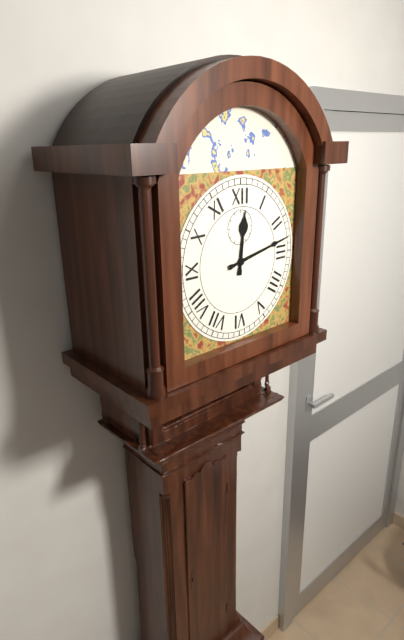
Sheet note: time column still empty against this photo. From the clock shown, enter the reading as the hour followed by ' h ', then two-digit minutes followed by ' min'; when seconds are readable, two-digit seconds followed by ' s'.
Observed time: 12 h 13 min
